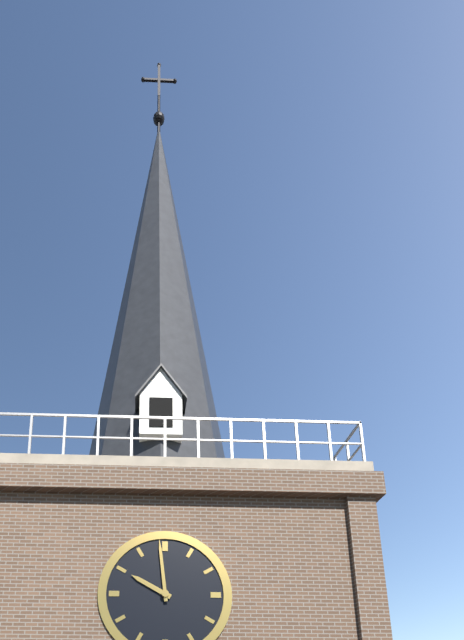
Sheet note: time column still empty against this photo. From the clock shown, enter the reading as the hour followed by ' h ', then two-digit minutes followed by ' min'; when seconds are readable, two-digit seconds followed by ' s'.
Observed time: 9 h 59 min
